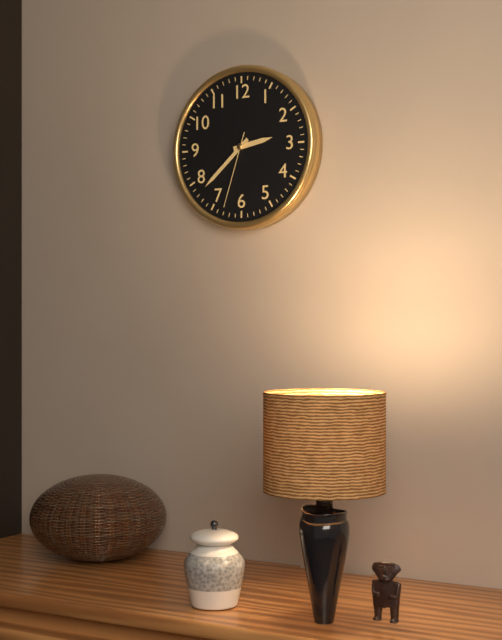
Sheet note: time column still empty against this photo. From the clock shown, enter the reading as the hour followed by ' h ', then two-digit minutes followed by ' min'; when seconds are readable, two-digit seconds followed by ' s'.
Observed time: 2 h 38 min 33 s
